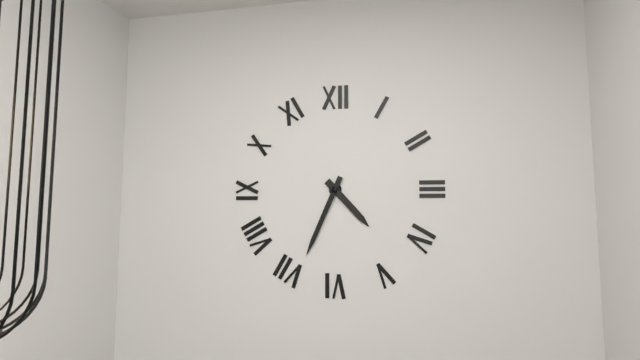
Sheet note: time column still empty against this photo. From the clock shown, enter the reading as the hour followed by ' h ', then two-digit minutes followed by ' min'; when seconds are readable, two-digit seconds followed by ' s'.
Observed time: 4 h 34 min
